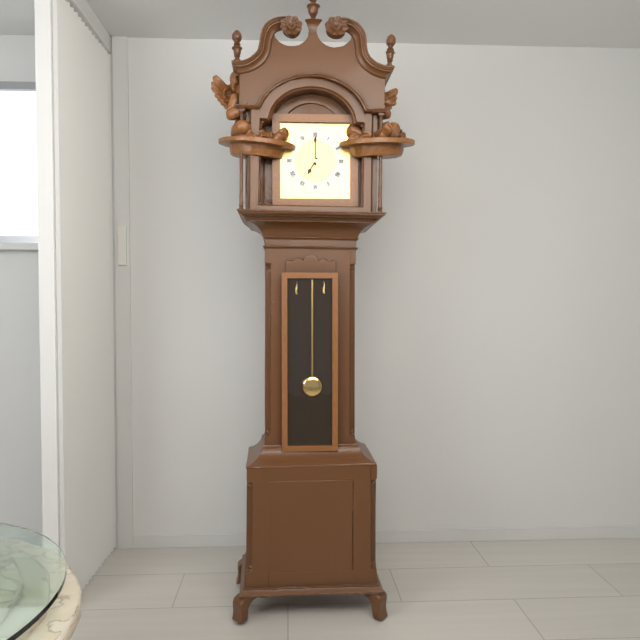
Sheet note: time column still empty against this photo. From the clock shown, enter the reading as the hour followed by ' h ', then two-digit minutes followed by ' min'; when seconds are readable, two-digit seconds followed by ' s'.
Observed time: 7 h 00 min
